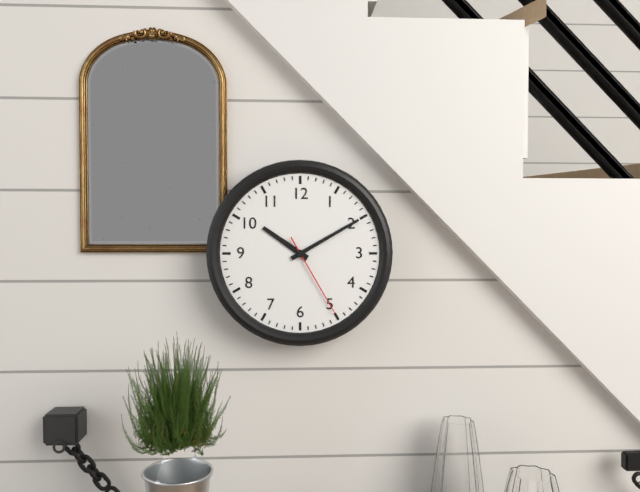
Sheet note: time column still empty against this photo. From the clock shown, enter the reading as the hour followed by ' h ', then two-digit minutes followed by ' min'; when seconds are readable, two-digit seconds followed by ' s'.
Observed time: 10 h 10 min 25 s
